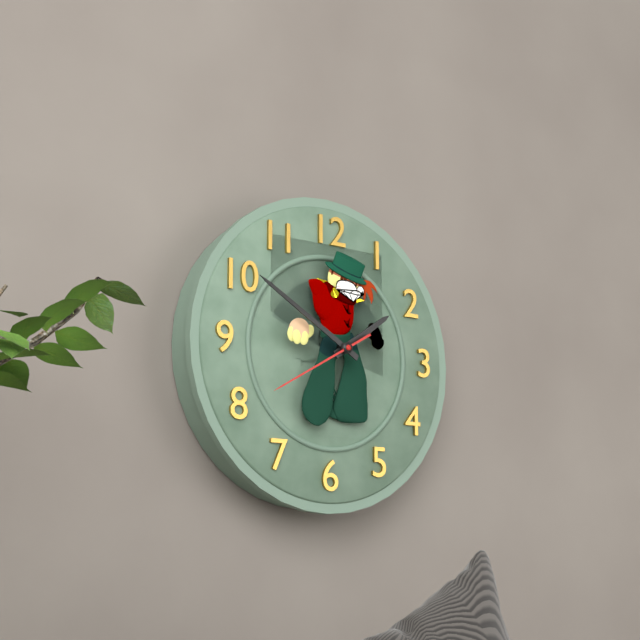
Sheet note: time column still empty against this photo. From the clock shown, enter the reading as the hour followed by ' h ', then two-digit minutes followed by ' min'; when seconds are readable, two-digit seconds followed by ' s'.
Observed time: 1 h 50 min 40 s
